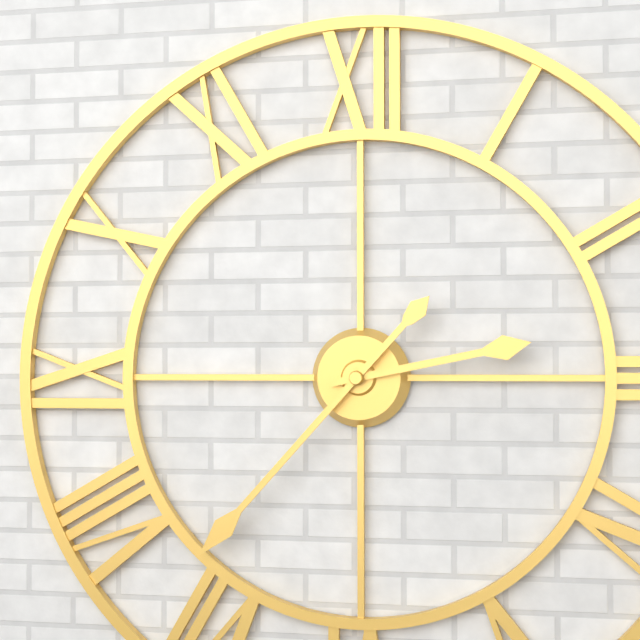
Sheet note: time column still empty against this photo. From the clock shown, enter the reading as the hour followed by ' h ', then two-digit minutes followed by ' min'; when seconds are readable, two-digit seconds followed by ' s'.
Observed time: 2 h 37 min
